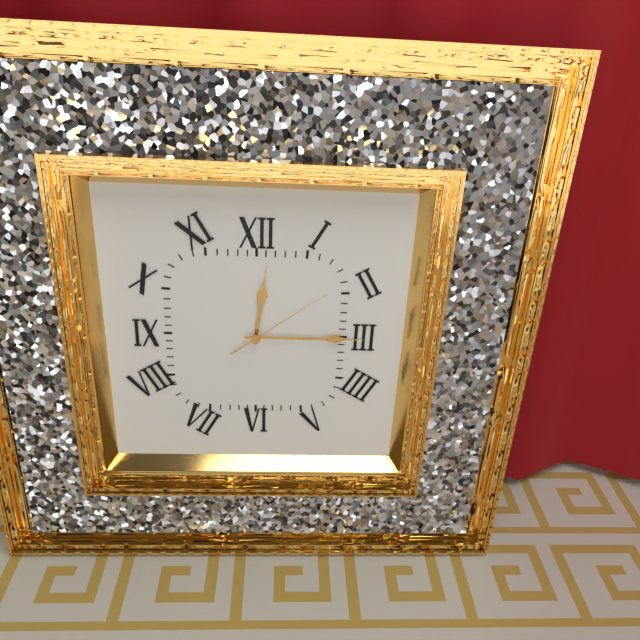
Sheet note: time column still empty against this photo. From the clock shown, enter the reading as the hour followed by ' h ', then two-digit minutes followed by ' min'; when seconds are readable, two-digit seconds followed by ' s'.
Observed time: 12 h 15 min 09 s
